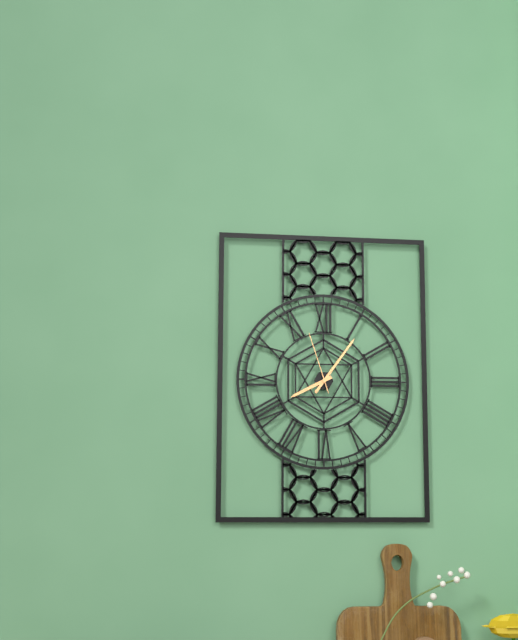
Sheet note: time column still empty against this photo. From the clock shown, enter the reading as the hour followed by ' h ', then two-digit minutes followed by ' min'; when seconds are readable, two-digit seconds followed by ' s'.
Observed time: 8 h 06 min 57 s
